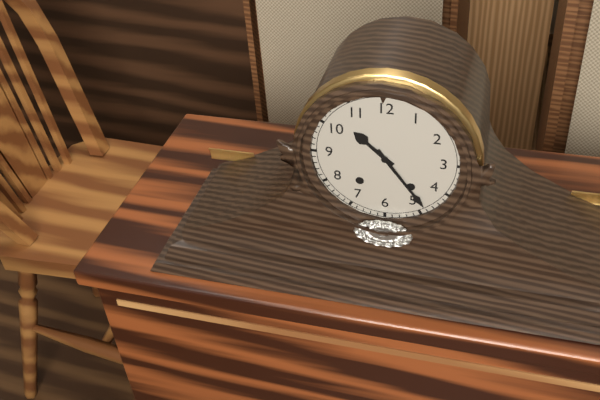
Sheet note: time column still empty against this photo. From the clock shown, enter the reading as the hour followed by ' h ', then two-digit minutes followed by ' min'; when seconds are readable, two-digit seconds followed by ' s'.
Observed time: 10 h 24 min
